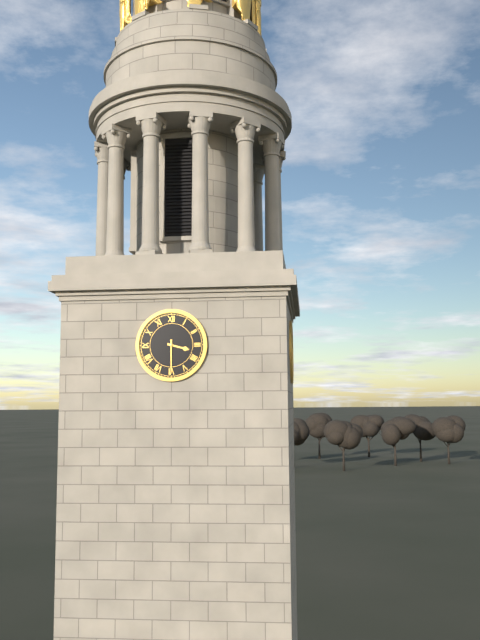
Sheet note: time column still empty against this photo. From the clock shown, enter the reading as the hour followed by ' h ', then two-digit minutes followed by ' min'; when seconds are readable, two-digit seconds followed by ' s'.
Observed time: 3 h 30 min
